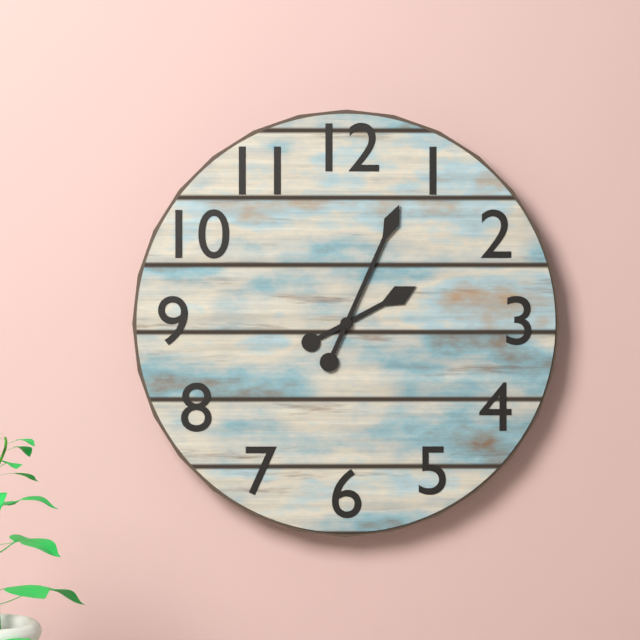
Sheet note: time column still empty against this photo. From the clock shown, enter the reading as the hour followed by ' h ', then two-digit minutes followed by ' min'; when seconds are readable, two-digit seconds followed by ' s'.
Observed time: 2 h 04 min
